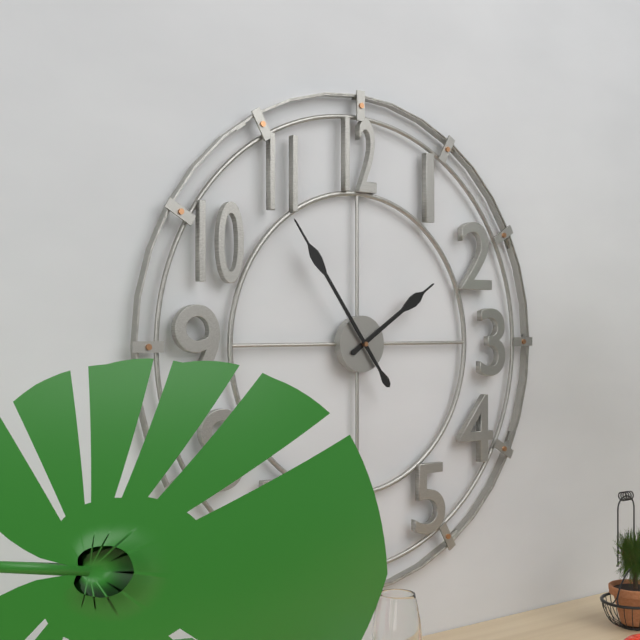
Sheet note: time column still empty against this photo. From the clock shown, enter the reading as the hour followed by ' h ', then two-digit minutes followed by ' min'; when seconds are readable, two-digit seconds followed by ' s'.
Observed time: 1 h 54 min
